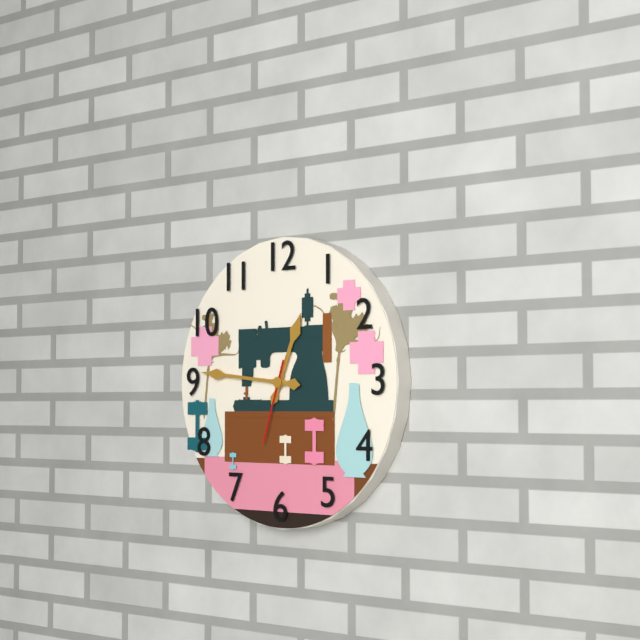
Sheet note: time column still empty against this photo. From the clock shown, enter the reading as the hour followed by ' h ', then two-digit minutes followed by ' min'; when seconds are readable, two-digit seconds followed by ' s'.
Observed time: 12 h 46 min 33 s
